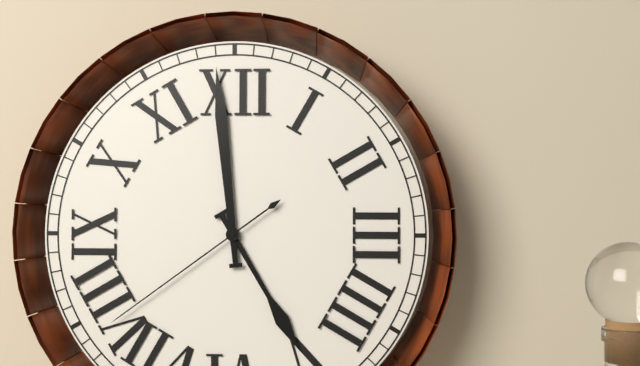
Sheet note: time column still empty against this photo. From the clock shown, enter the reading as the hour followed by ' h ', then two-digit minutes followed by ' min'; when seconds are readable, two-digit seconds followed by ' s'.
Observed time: 4 h 59 min 39 s
